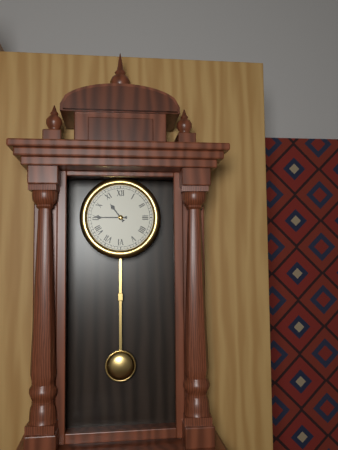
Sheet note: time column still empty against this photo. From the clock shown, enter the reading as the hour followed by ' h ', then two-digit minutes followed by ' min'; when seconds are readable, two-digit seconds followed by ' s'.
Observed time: 10 h 45 min
